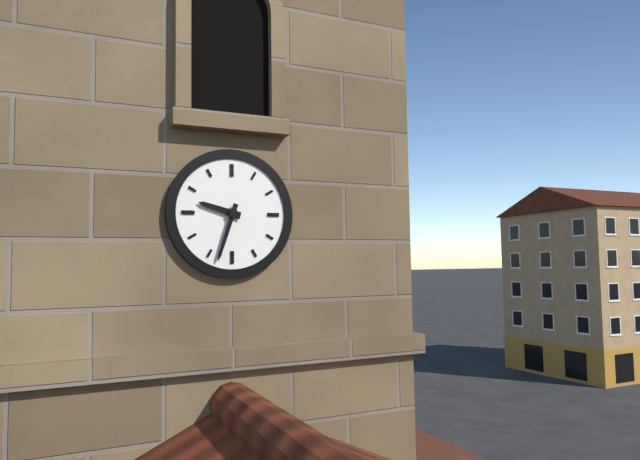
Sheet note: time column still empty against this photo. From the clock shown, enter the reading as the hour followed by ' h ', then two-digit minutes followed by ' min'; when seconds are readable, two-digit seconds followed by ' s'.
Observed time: 9 h 33 min
